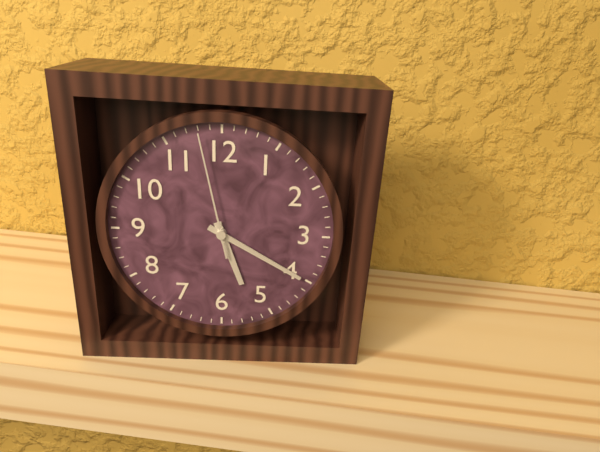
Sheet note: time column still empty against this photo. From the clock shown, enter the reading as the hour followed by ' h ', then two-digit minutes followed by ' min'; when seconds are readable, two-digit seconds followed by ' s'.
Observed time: 5 h 20 min 58 s
